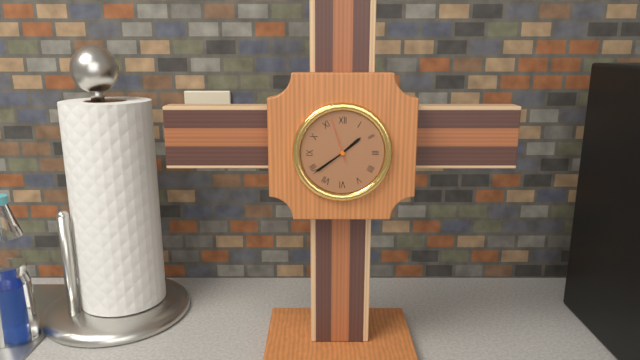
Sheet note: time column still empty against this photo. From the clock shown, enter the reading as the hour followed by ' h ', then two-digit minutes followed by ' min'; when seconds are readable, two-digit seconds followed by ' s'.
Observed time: 1 h 39 min
